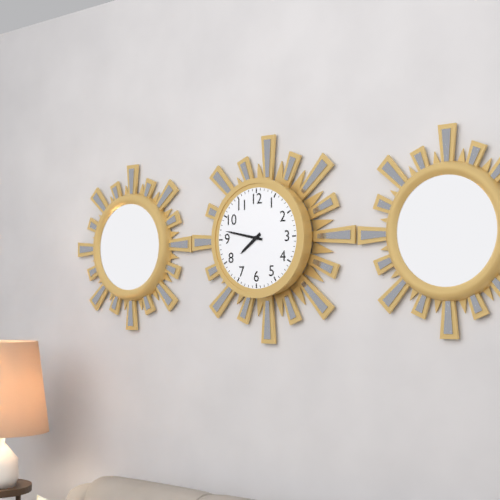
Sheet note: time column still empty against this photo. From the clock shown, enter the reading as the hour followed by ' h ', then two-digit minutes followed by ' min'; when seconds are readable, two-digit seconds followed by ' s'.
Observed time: 7 h 47 min
